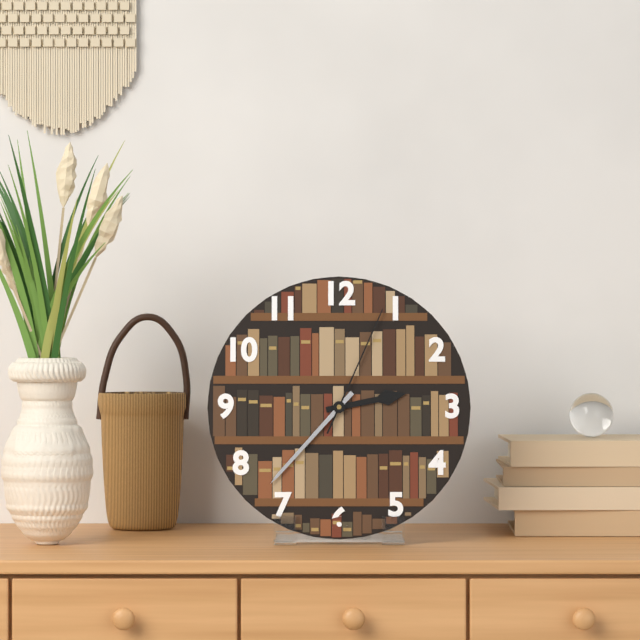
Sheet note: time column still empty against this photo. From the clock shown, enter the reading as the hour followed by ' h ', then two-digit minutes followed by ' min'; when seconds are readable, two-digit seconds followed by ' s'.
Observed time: 2 h 37 min 04 s
